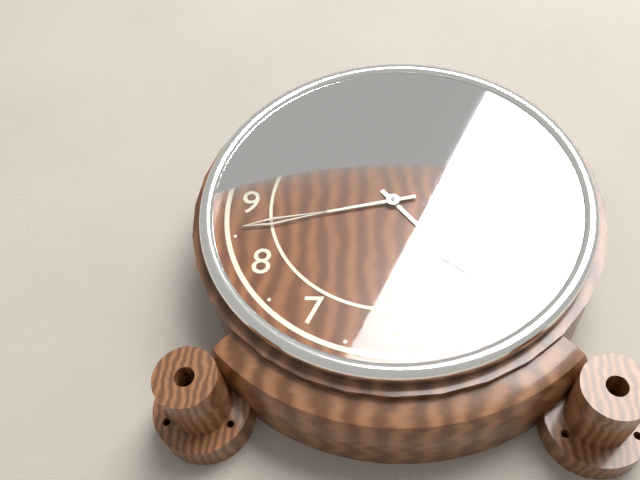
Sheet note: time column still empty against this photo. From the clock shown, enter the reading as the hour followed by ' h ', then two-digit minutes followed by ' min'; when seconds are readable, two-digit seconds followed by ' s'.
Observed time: 4 h 43 min
